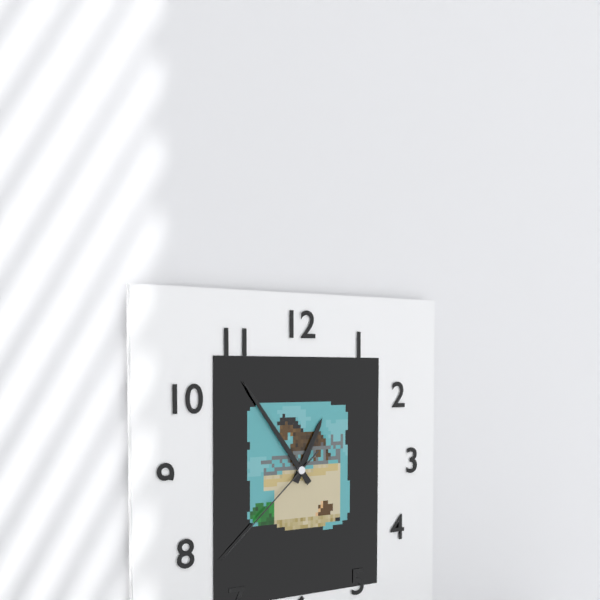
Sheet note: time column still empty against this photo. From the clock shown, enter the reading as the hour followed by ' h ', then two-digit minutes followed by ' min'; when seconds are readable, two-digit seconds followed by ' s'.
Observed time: 12 h 54 min 38 s
